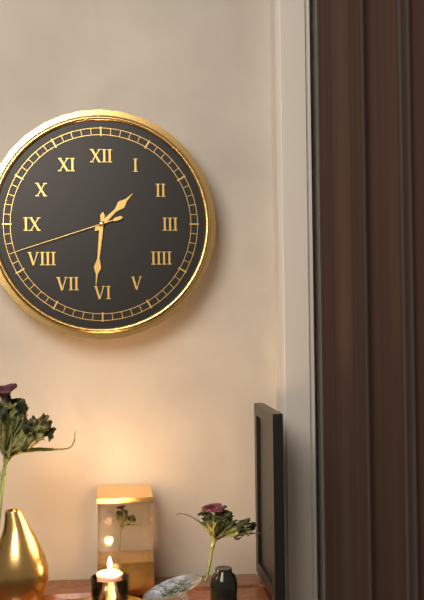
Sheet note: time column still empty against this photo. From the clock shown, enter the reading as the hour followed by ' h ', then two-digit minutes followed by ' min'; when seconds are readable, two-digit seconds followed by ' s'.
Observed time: 1 h 31 min 42 s
